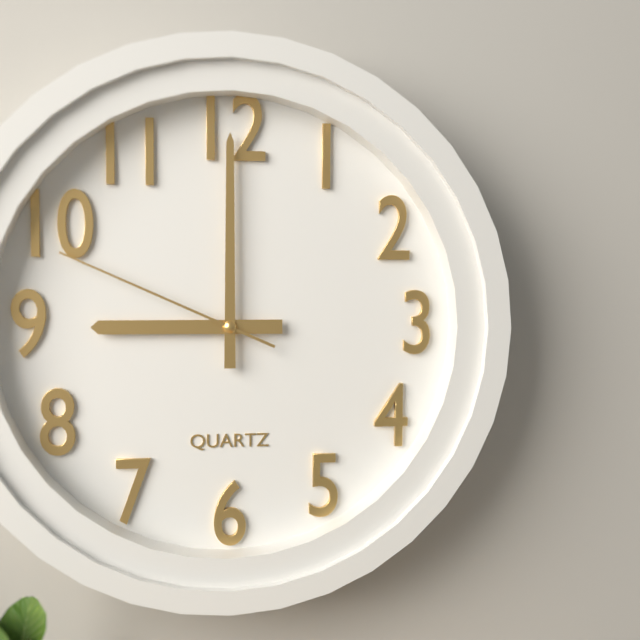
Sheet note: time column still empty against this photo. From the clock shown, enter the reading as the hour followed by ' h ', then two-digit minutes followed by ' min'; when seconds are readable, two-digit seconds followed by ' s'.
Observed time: 9 h 00 min 49 s
